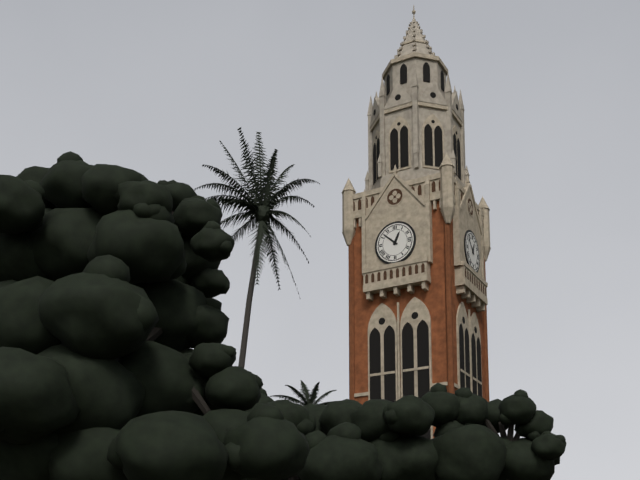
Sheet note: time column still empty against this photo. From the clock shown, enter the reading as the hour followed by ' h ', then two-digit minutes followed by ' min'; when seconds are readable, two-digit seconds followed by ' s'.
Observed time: 12 h 52 min
